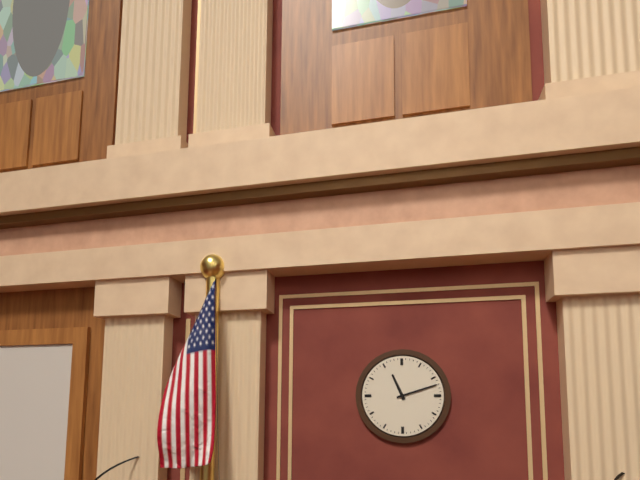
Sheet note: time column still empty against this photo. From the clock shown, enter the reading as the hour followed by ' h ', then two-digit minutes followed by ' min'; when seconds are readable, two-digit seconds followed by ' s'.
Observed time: 11 h 12 min
